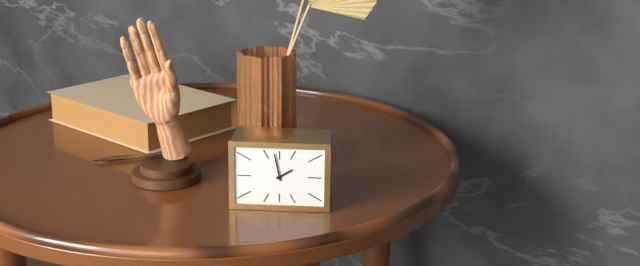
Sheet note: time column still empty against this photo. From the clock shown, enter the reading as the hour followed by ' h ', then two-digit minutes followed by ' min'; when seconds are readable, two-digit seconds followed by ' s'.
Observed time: 1 h 58 min
